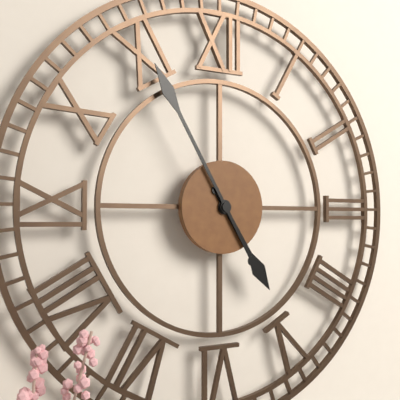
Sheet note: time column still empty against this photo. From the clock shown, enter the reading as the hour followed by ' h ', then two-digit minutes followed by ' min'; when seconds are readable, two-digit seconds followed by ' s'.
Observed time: 4 h 55 min
